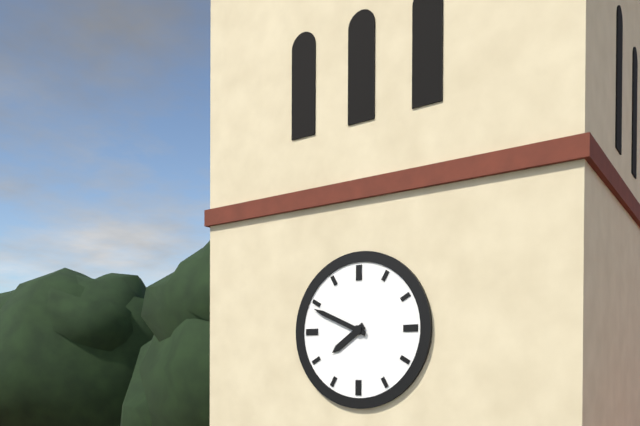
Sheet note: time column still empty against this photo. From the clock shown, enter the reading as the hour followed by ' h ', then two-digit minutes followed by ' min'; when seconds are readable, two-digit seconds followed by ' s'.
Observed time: 7 h 49 min
